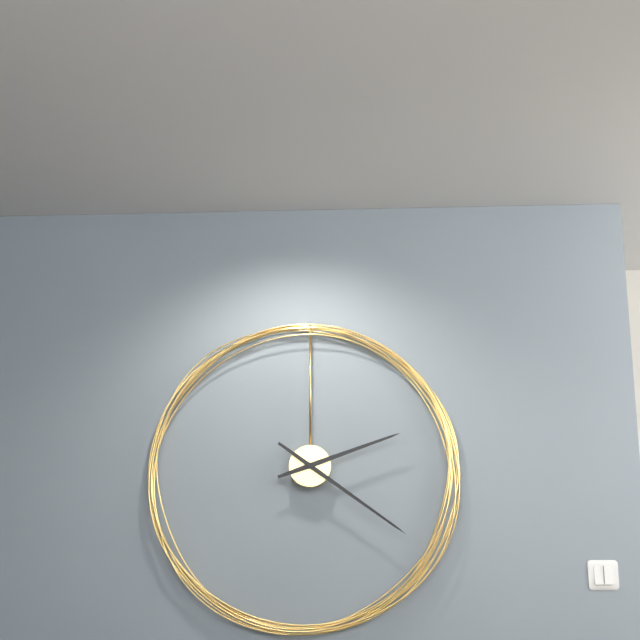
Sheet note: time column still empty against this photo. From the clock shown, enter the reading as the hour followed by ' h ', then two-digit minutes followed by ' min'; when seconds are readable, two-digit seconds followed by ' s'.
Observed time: 2 h 21 min
